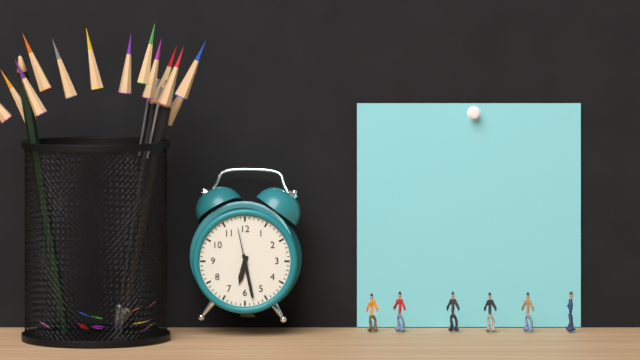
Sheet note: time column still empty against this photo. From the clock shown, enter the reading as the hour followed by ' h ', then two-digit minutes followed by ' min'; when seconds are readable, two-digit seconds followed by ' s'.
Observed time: 6 h 28 min
